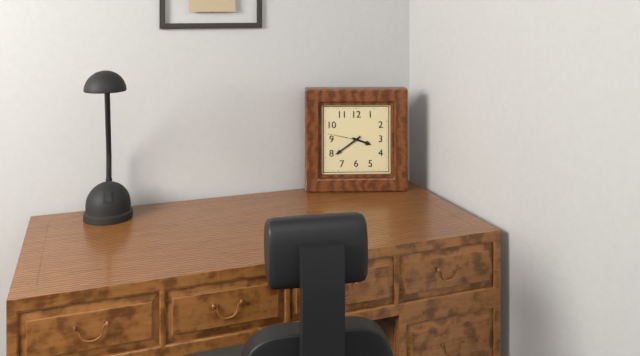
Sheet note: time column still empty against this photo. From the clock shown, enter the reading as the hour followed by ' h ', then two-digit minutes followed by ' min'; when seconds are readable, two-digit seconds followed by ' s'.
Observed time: 3 h 39 min
